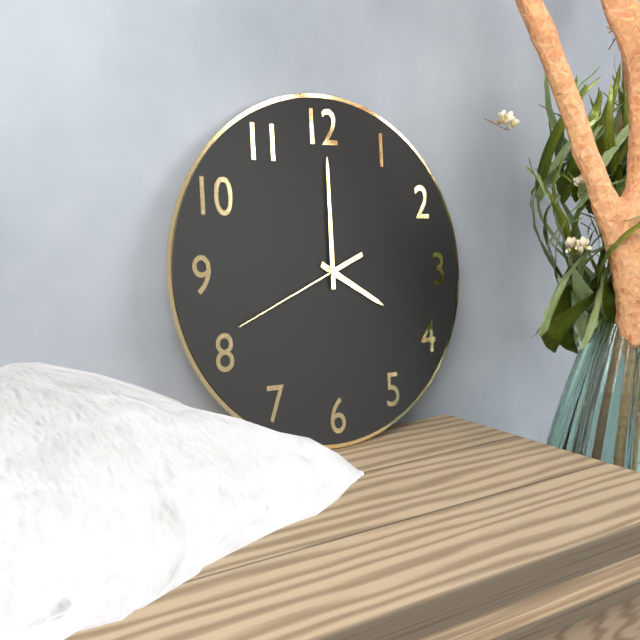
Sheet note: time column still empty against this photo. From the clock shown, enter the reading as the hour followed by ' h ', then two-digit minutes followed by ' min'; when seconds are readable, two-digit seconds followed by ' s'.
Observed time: 4 h 00 min 41 s
